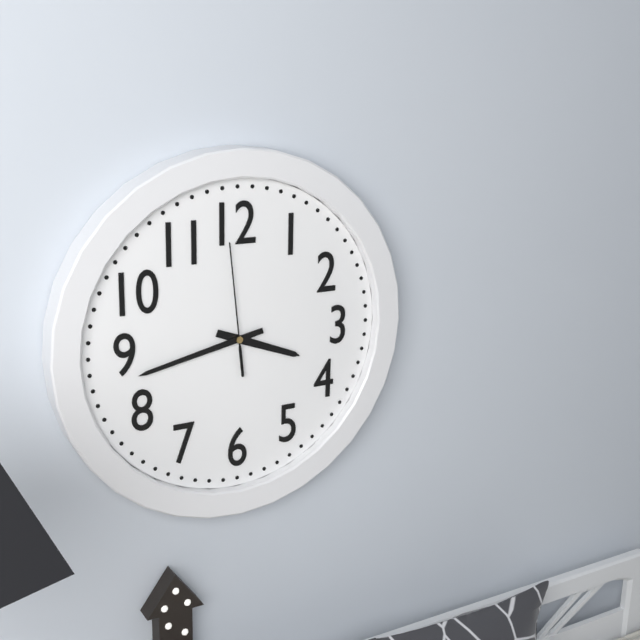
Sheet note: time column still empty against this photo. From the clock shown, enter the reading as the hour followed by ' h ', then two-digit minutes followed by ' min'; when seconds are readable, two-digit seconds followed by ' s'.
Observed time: 3 h 43 min 59 s
